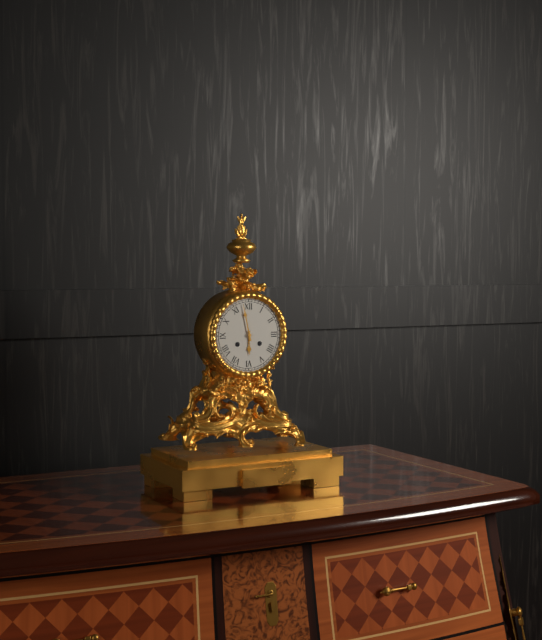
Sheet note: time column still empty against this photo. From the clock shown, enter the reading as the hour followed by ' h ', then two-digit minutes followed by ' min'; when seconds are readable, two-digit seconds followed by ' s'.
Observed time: 5 h 58 min
